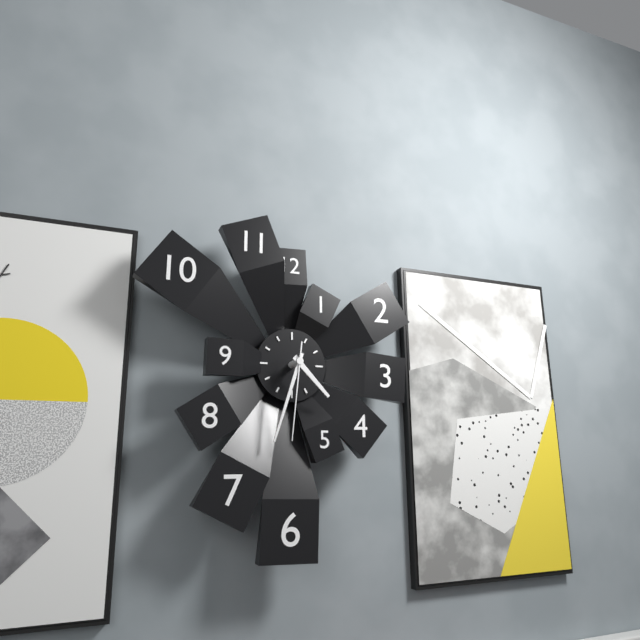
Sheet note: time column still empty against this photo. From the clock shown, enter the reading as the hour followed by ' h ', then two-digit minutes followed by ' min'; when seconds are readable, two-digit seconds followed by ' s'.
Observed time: 4 h 33 min 31 s
